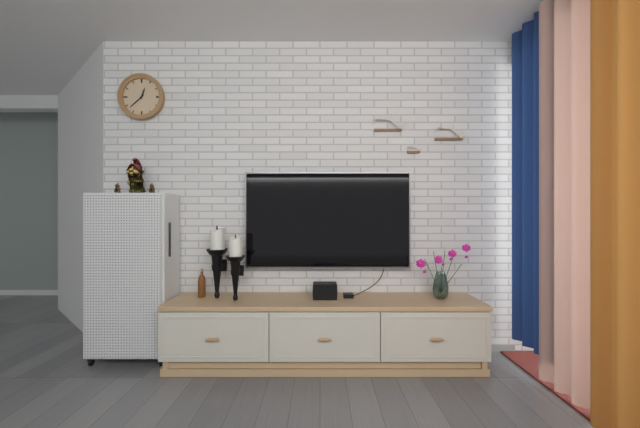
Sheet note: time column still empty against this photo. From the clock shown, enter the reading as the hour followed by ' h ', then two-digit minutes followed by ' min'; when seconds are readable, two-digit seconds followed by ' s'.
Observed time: 12 h 38 min
